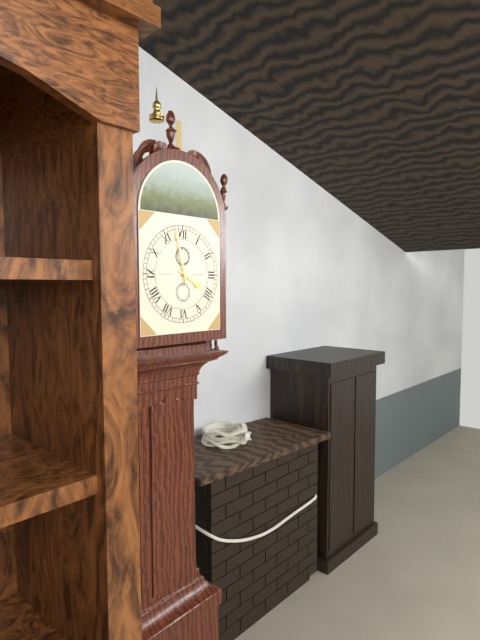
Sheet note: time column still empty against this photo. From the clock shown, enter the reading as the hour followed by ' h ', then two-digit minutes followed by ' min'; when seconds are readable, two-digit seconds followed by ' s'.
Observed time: 3 h 58 min
